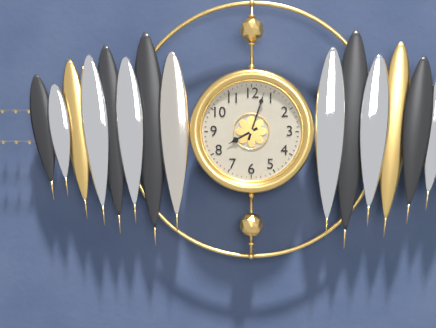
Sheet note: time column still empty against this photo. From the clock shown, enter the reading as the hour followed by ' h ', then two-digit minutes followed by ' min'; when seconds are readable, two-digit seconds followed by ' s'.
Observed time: 8 h 03 min
